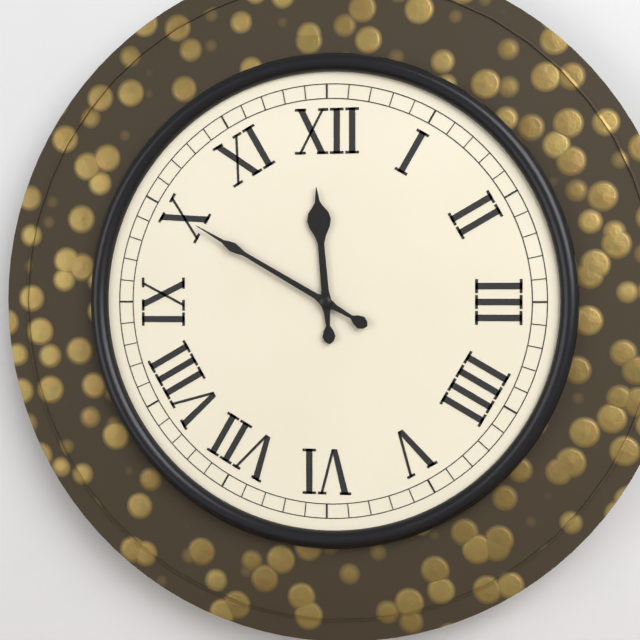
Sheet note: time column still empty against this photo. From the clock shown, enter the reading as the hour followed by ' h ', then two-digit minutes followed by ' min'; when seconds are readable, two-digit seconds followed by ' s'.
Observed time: 11 h 50 min
